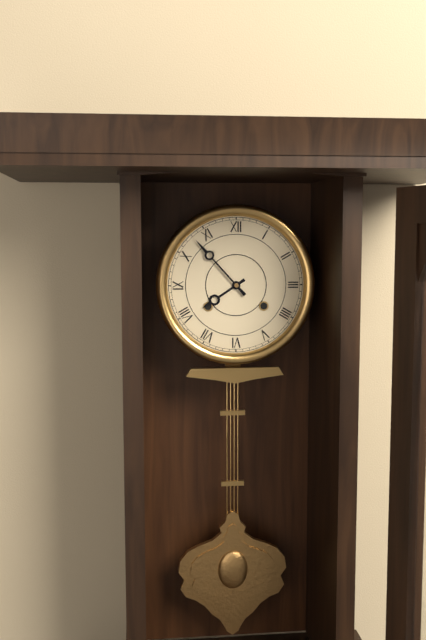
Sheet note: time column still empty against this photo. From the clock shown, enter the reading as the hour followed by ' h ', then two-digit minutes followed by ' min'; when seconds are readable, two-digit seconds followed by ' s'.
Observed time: 7 h 53 min
